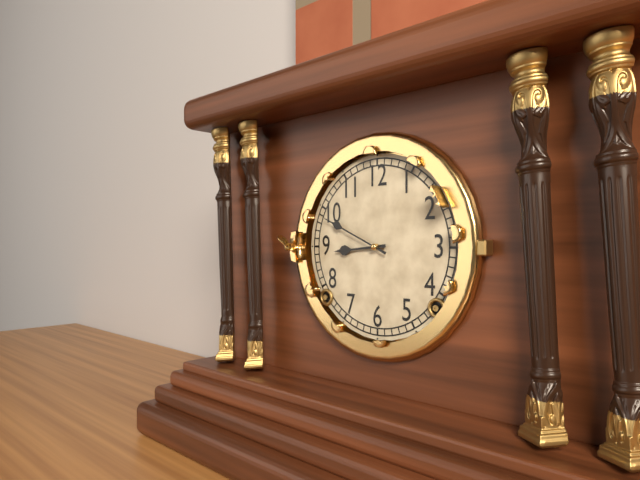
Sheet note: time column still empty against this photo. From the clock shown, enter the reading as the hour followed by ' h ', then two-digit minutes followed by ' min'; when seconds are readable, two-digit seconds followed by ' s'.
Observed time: 8 h 49 min
